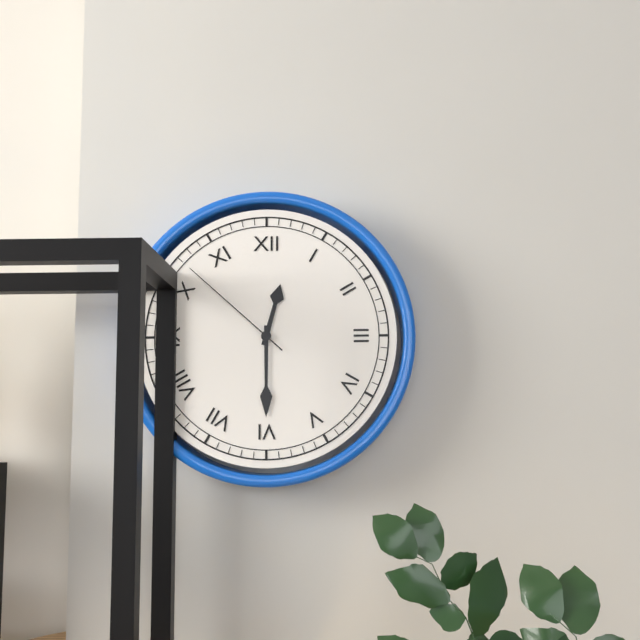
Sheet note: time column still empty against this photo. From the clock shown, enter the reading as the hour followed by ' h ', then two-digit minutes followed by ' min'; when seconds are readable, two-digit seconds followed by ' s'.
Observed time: 12 h 30 min 52 s
